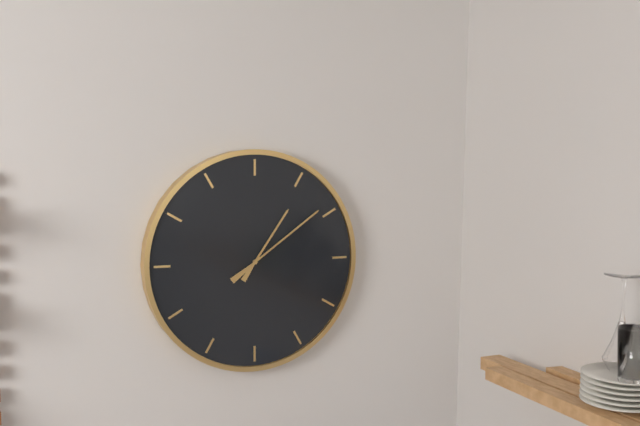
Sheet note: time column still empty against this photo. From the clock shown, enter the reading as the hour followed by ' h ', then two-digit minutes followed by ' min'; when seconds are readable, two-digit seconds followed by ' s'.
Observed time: 1 h 09 min
